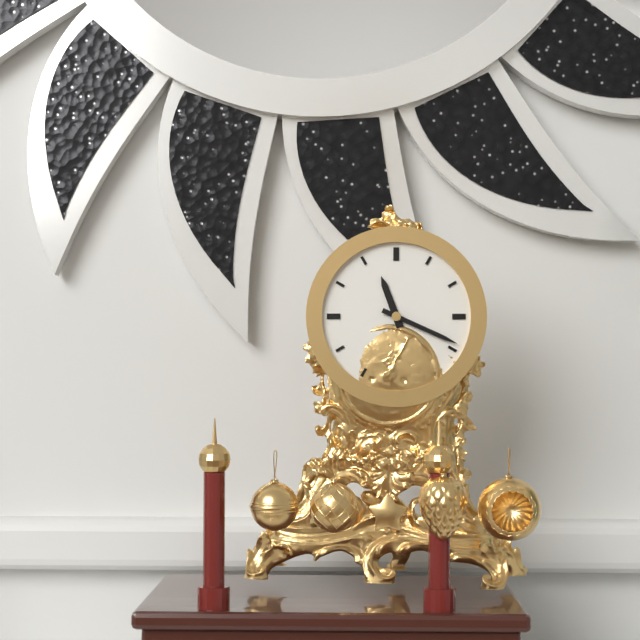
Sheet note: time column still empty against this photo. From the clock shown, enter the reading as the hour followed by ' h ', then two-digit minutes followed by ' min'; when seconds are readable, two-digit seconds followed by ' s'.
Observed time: 11 h 19 min
